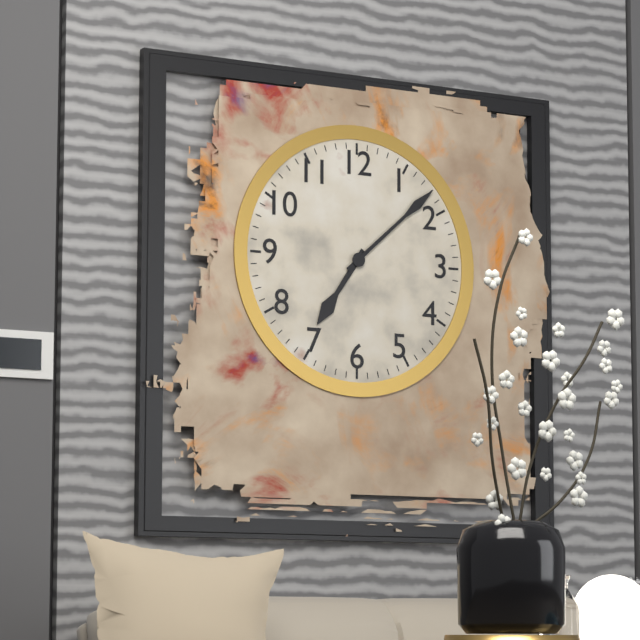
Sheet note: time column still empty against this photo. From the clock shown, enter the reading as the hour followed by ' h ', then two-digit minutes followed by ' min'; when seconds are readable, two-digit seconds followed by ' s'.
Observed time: 7 h 08 min
